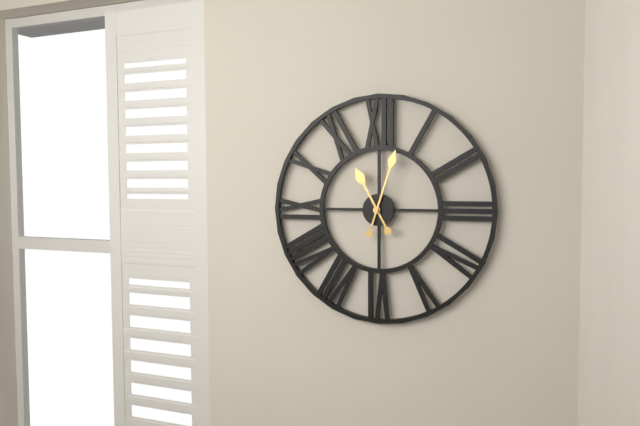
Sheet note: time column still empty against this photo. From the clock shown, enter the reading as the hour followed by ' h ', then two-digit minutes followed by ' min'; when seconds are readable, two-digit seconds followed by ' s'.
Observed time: 11 h 03 min
